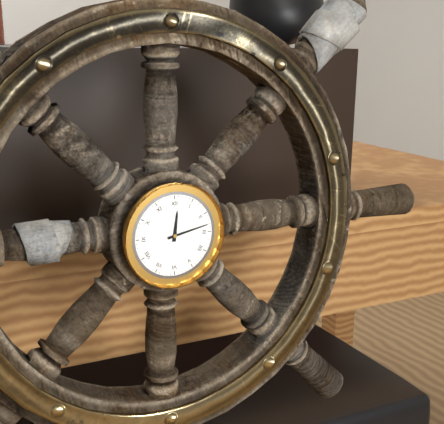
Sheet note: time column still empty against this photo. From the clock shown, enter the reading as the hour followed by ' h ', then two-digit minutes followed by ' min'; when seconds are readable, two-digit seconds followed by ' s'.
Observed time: 12 h 13 min
